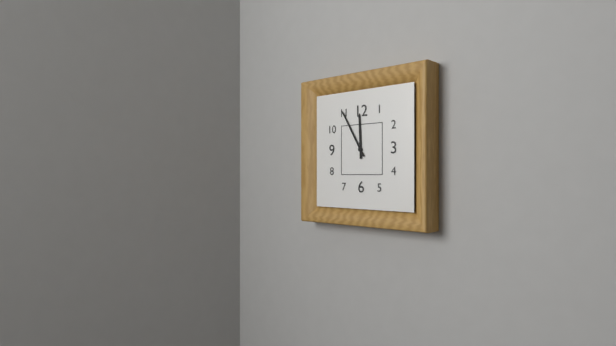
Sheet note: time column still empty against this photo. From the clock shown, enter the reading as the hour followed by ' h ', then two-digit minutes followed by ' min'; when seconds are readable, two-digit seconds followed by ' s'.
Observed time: 11 h 55 min
